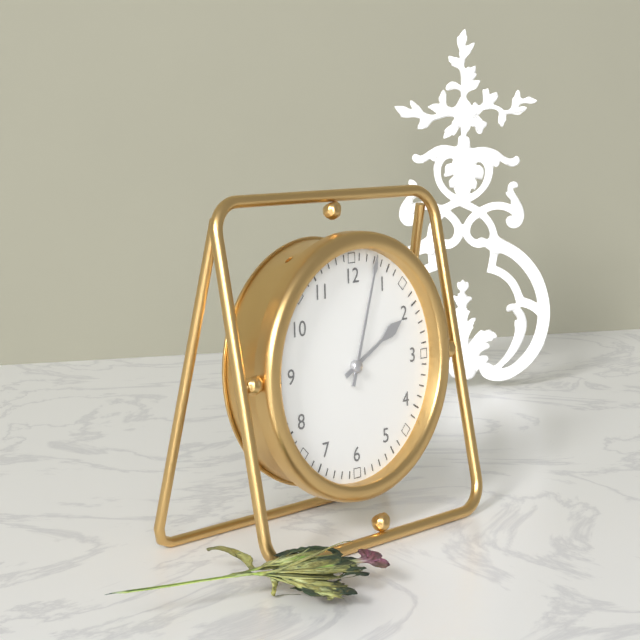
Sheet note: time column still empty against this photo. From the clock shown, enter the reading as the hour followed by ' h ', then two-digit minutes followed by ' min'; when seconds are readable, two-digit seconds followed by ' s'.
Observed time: 2 h 03 min
